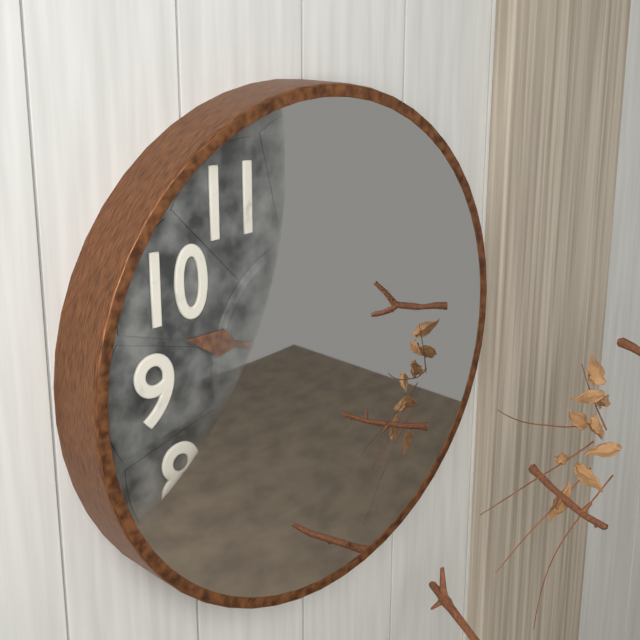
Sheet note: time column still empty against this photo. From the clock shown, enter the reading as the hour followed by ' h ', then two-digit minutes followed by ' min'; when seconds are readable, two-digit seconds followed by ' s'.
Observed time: 9 h 33 min
